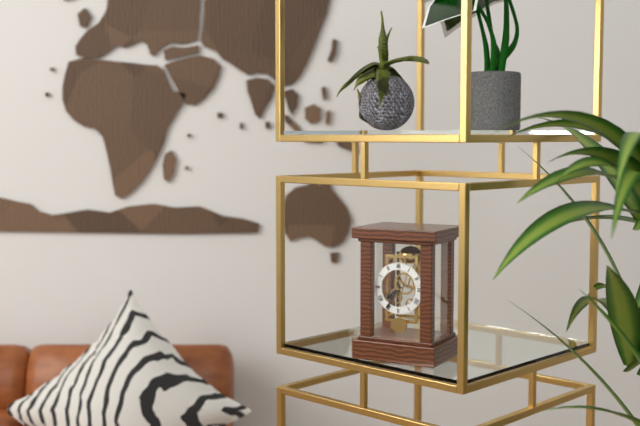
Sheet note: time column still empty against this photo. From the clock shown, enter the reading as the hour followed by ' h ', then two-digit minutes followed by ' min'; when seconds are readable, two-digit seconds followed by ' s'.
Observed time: 7 h 35 min
